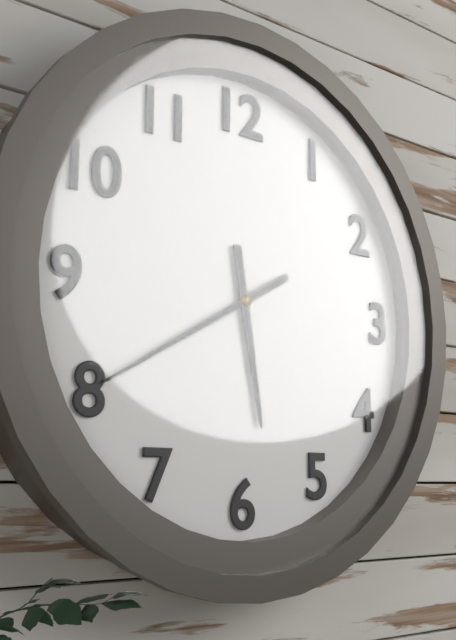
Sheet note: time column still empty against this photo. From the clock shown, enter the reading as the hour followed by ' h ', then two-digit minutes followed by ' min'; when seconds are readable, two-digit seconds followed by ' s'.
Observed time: 5 h 40 min
